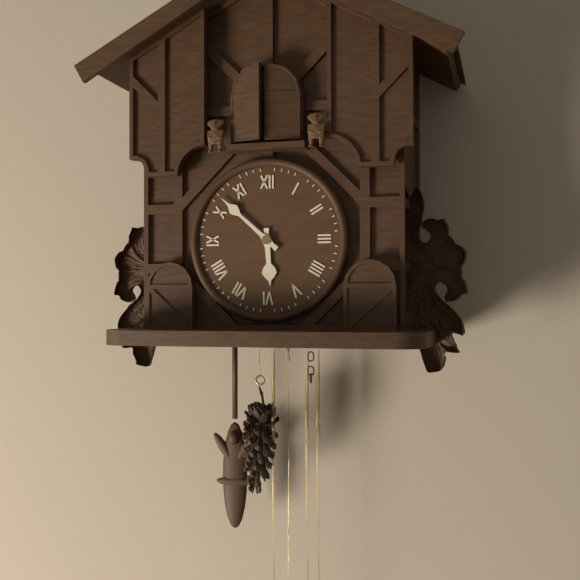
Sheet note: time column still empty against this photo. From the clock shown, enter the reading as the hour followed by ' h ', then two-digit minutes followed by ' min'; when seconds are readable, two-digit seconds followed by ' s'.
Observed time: 5 h 52 min
